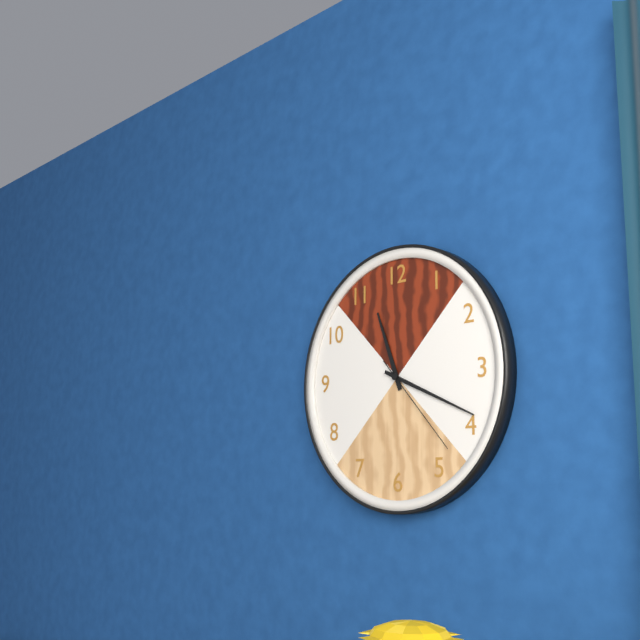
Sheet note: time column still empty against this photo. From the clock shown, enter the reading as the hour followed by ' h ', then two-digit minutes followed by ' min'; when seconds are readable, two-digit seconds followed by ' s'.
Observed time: 11 h 19 min 23 s
